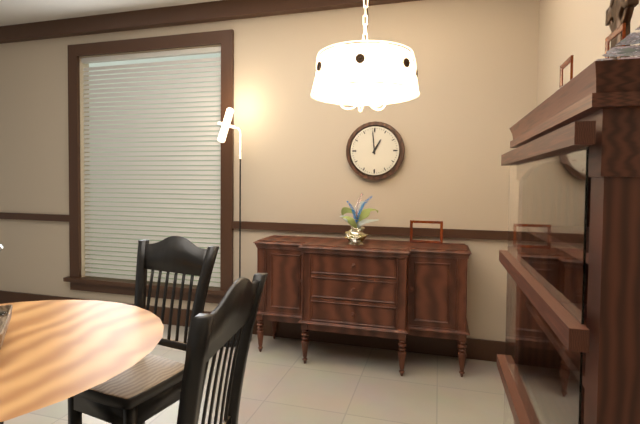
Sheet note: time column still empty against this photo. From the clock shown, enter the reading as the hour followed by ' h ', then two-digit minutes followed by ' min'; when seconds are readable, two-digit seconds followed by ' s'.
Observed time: 12 h 59 min
